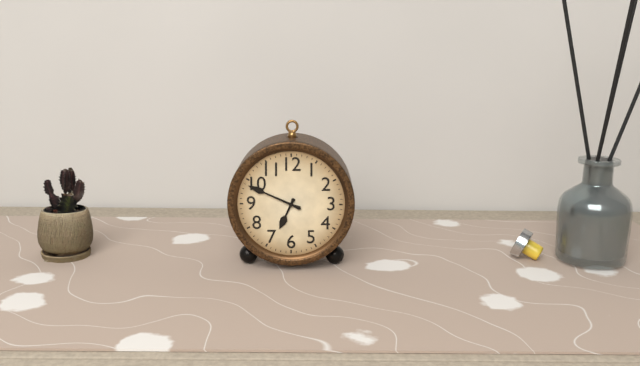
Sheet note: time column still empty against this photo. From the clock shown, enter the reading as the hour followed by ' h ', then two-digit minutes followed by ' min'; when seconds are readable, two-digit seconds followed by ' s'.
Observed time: 6 h 49 min
